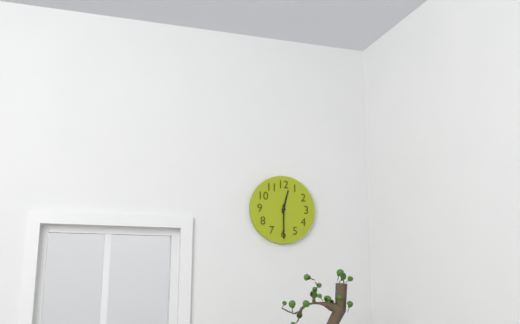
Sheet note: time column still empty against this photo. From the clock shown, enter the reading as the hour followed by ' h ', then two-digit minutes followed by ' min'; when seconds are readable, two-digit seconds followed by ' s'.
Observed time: 12 h 30 min
